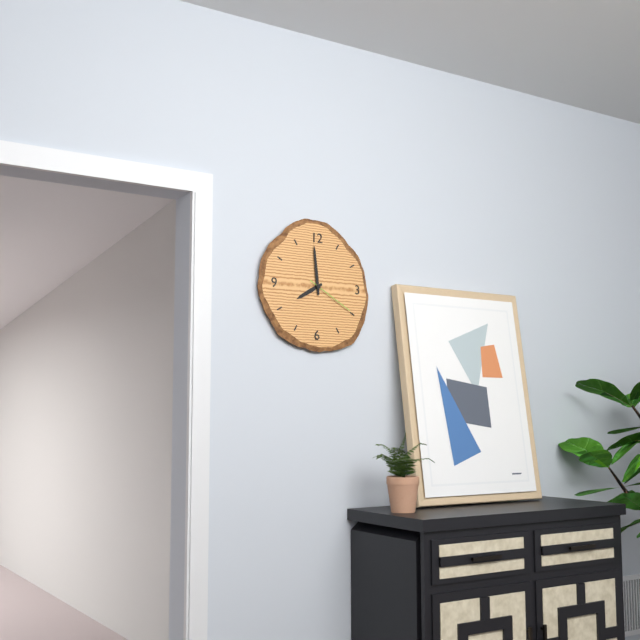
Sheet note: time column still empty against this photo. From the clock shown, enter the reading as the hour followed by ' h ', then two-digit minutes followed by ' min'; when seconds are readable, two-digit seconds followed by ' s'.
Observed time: 7 h 59 min 20 s
